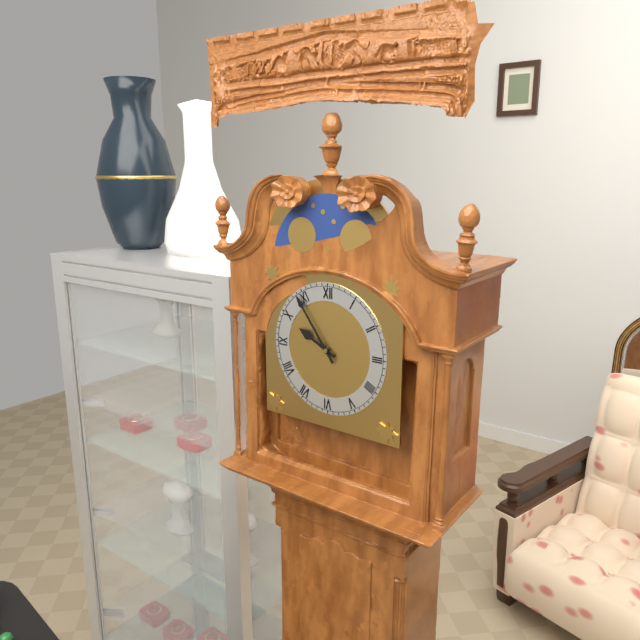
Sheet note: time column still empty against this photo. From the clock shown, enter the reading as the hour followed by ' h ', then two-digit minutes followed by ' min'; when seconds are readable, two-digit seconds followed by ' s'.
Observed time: 9 h 54 min
